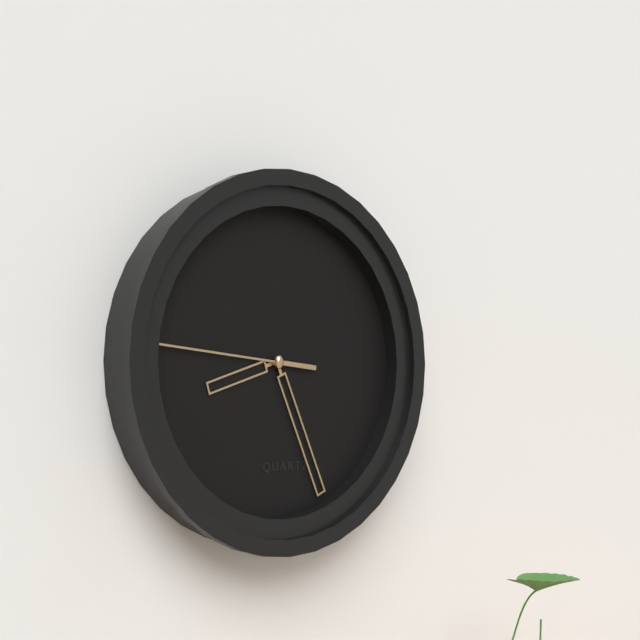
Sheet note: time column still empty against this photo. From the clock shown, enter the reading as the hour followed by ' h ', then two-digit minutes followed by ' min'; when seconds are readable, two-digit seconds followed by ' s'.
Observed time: 8 h 26 min 46 s
